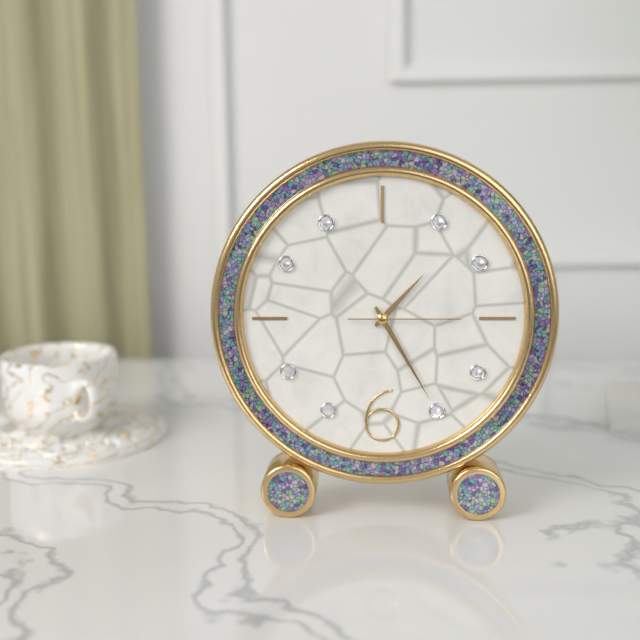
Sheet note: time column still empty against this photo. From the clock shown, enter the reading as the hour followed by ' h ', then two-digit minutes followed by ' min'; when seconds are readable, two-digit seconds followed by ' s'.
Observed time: 1 h 25 min 15 s
